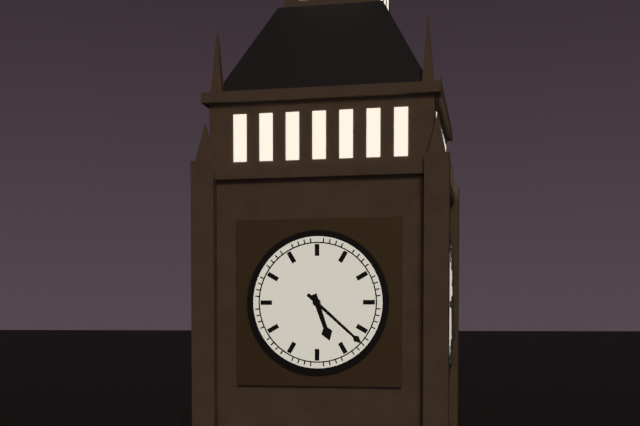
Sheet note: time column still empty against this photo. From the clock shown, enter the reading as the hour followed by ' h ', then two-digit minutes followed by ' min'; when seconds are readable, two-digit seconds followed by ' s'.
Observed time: 5 h 22 min
